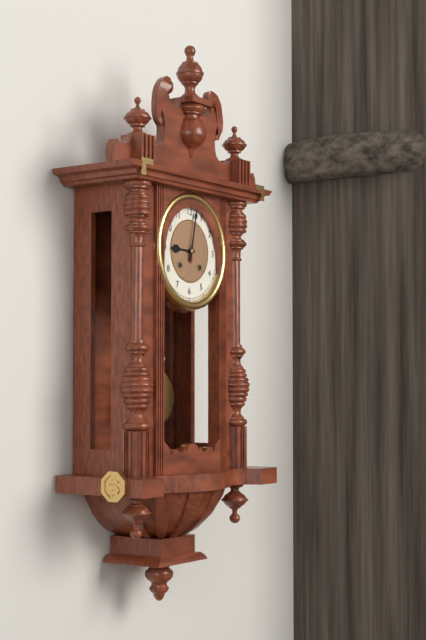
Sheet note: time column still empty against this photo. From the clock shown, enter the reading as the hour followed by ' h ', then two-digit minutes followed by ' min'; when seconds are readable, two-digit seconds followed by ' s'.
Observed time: 9 h 02 min
